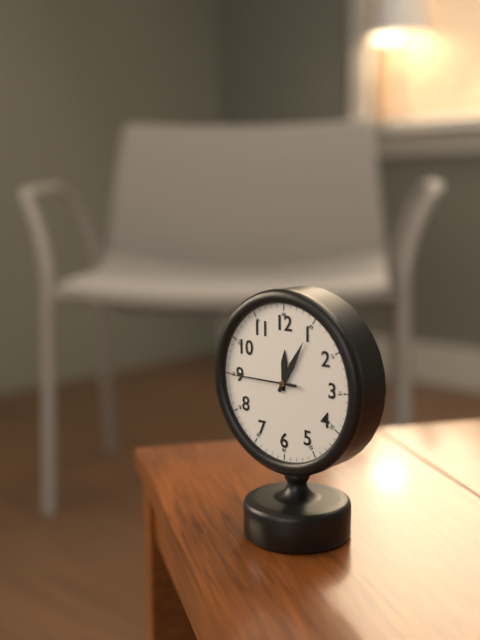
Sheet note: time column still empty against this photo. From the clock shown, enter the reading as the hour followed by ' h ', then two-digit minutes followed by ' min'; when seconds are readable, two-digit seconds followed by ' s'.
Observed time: 12 h 05 min 45 s
